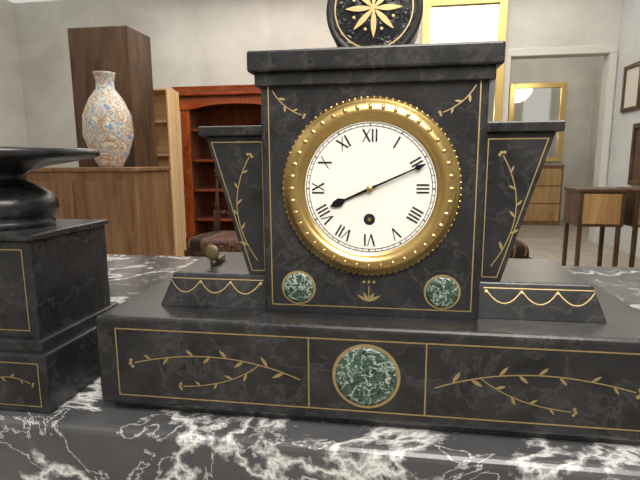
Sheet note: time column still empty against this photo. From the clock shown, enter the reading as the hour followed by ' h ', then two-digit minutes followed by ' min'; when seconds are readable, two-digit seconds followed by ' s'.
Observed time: 8 h 11 min
